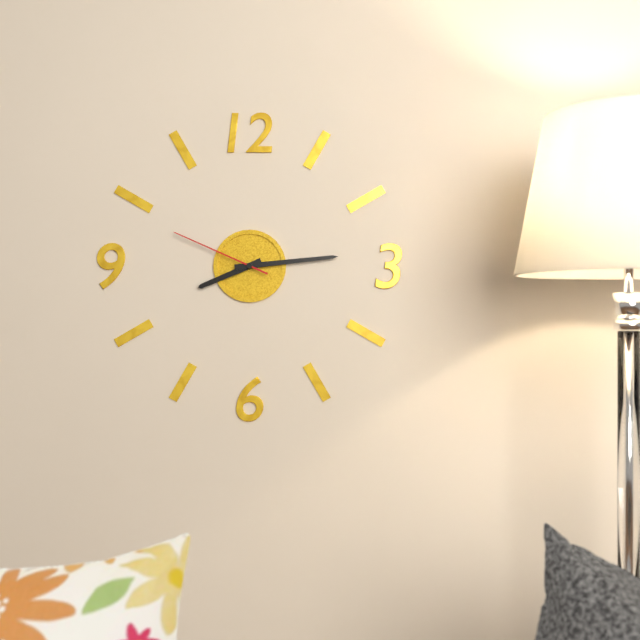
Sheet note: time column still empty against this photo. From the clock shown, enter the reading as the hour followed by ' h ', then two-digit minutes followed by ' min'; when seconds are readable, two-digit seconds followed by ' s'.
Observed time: 8 h 14 min 49 s
